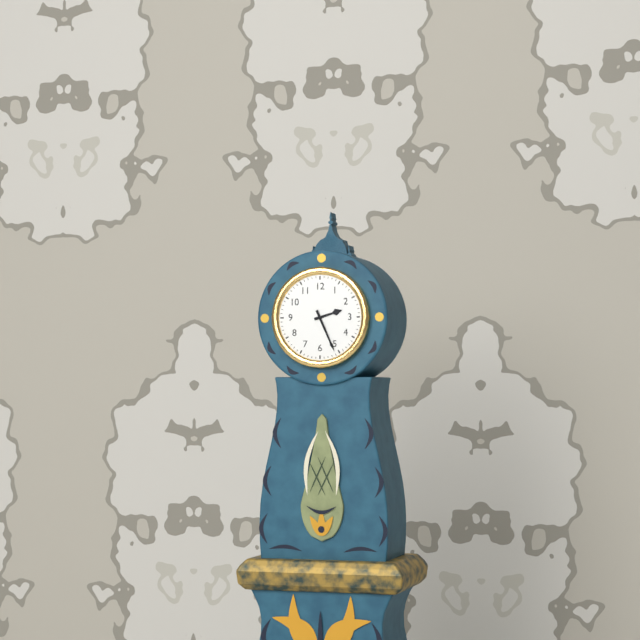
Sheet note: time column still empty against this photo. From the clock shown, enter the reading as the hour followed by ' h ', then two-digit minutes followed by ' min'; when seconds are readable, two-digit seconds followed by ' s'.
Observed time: 2 h 26 min
